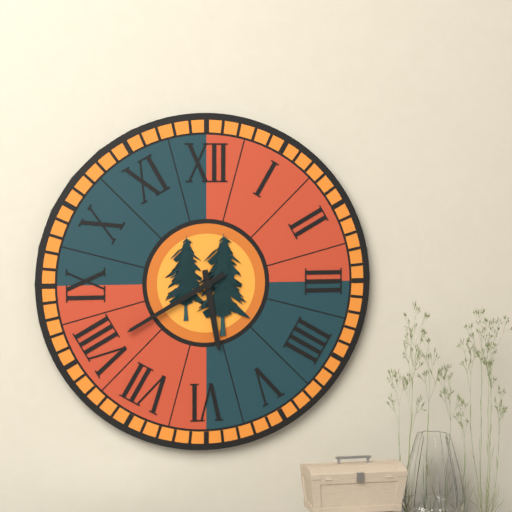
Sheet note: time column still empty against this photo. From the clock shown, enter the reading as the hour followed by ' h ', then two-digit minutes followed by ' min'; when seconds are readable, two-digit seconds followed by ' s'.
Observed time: 5 h 40 min
